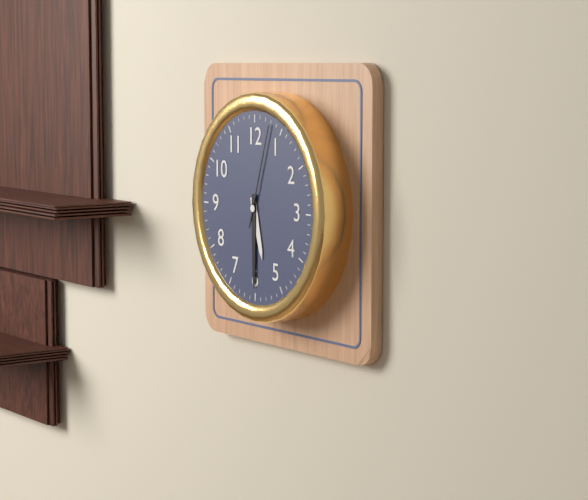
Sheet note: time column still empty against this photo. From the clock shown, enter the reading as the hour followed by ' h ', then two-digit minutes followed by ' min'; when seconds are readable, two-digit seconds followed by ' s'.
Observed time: 5 h 30 min 03 s
